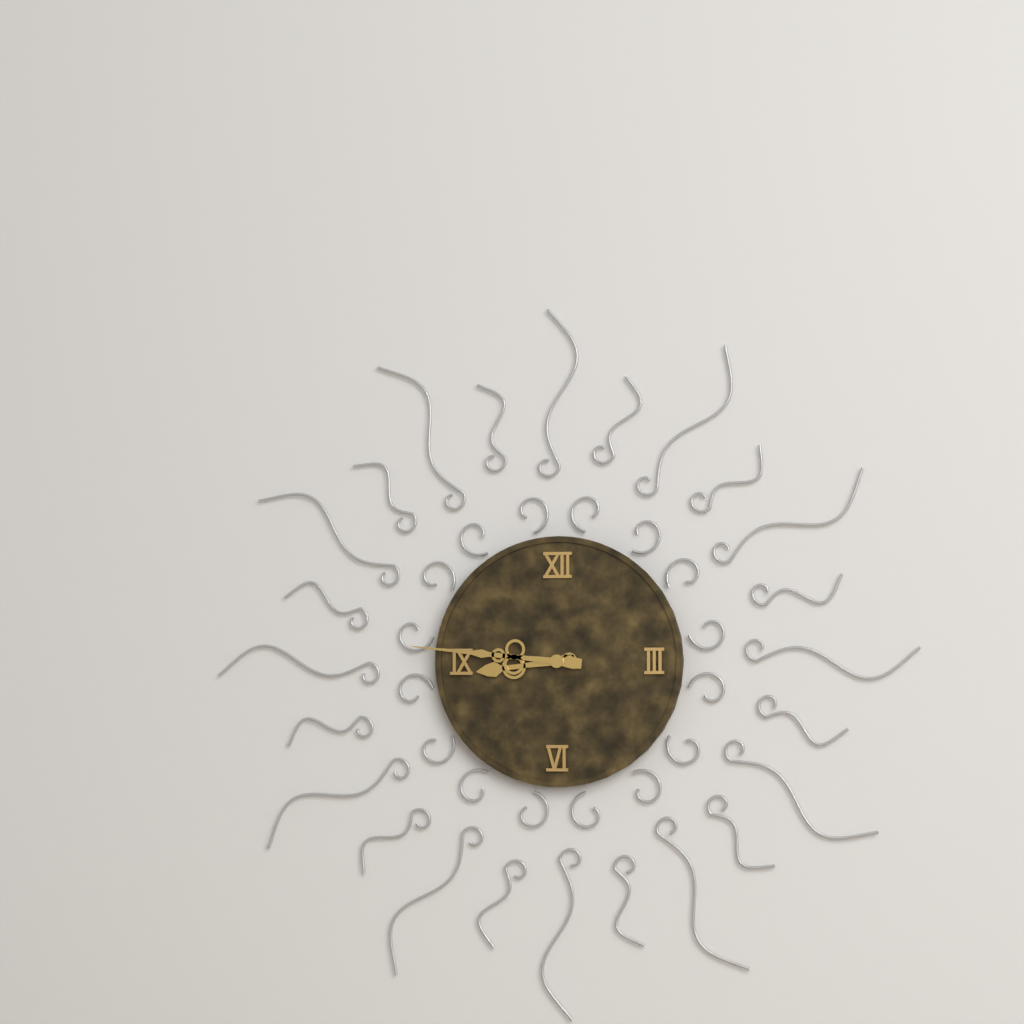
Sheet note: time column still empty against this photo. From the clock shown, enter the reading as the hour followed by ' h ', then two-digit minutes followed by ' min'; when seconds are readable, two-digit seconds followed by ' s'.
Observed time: 8 h 46 min
